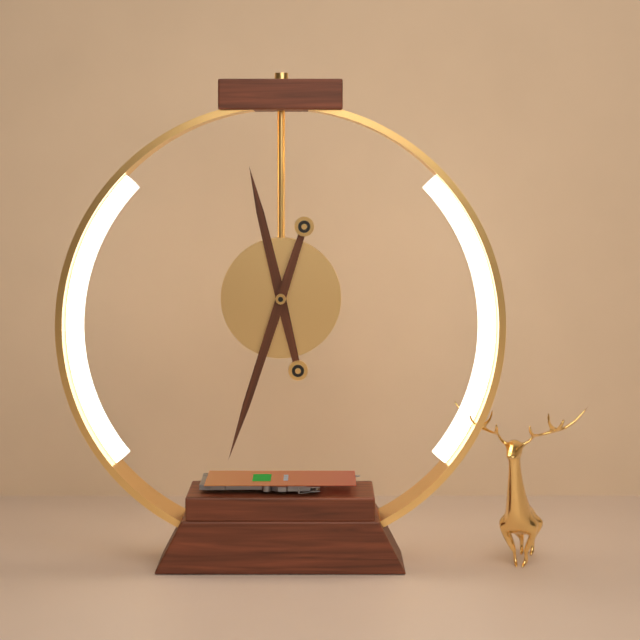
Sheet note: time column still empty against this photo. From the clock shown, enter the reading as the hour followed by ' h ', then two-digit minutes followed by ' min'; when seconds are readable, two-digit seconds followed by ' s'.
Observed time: 11 h 33 min
